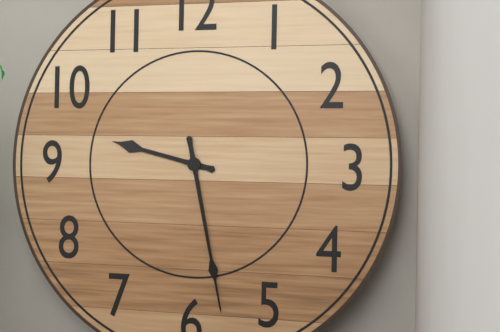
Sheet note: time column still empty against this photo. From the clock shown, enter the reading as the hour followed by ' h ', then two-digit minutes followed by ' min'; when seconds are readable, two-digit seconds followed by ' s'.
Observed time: 9 h 28 min
